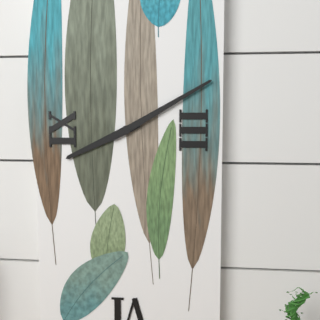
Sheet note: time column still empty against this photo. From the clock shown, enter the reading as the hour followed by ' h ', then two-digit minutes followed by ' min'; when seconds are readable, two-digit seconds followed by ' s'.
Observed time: 8 h 10 min
